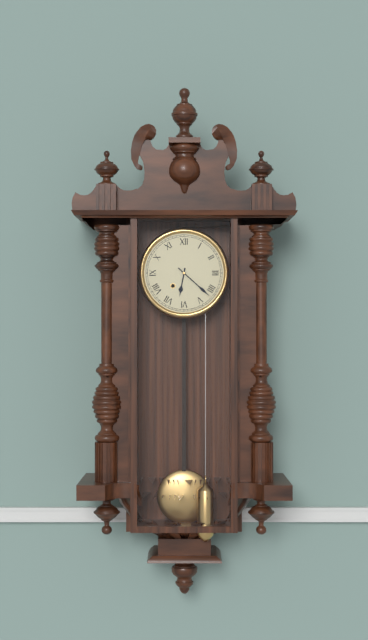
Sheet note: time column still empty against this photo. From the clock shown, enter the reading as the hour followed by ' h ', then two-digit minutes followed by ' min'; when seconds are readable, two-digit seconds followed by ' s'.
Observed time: 6 h 22 min
